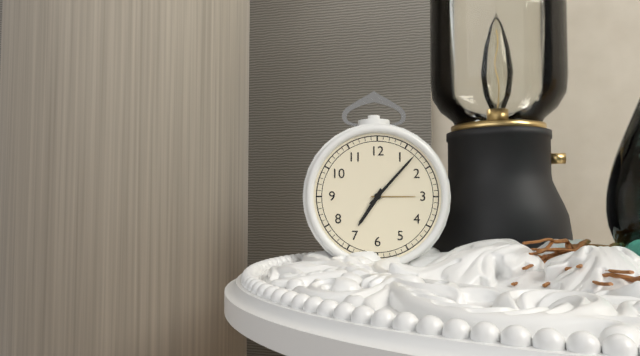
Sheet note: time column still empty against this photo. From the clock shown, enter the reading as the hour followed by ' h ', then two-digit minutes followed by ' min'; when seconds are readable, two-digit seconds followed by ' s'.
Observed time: 7 h 07 min
